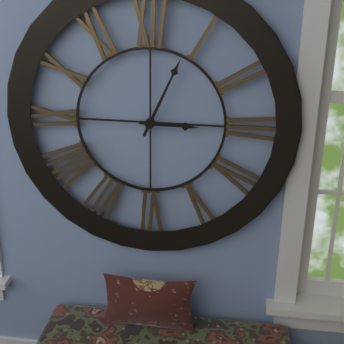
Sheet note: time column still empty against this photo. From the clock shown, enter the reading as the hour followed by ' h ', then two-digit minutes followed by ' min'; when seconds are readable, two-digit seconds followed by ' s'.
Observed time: 3 h 04 min
